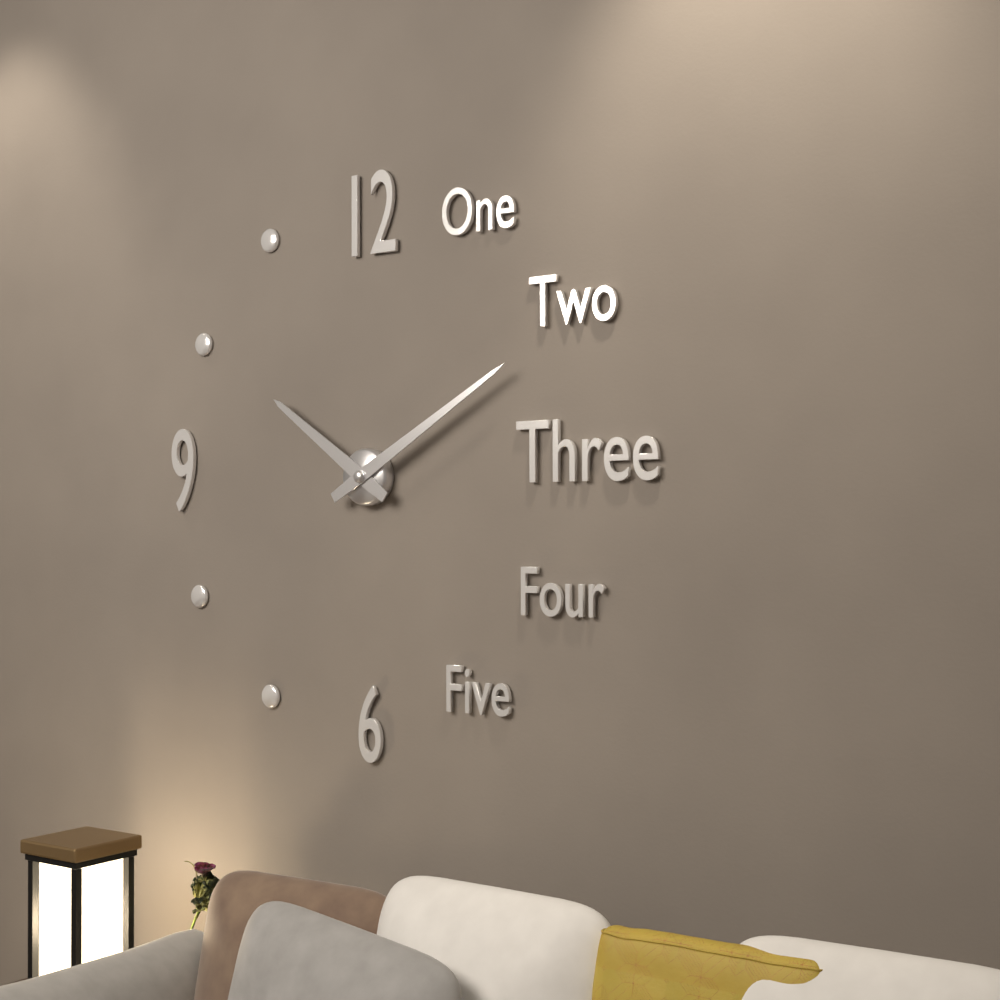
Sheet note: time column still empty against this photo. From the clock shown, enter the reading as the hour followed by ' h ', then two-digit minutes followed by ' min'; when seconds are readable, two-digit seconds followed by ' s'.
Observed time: 10 h 10 min
